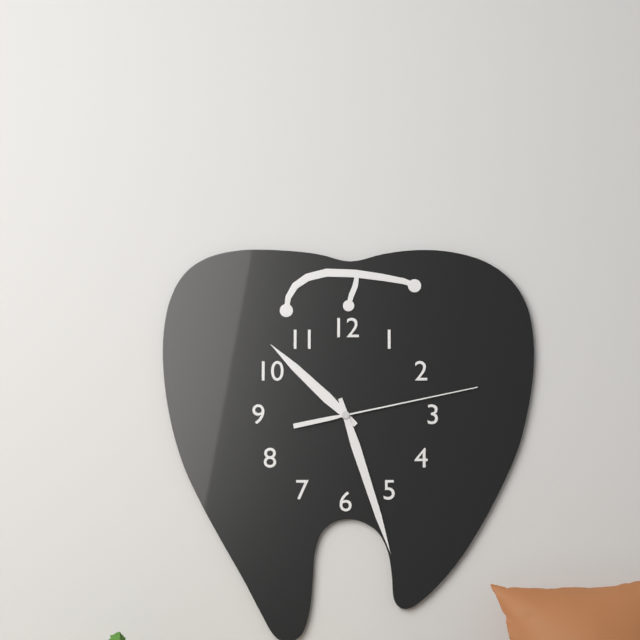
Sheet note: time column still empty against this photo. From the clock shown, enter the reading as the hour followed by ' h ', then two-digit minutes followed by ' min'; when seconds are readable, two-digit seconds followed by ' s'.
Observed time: 10 h 27 min 13 s
